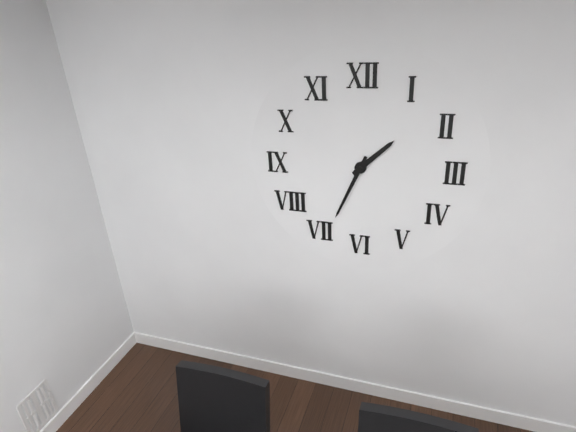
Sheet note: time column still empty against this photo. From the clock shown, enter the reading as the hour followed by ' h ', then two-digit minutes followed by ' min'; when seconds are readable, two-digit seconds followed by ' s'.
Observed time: 1 h 34 min
